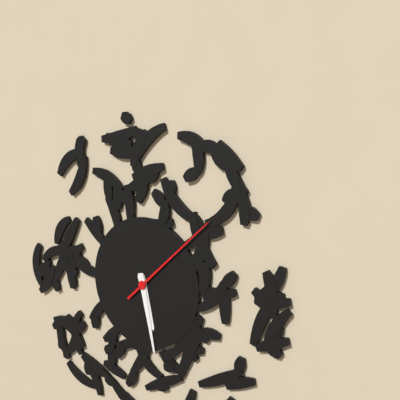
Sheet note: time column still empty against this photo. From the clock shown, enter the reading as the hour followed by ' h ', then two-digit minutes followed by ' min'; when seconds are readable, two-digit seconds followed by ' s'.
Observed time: 5 h 28 min 08 s
